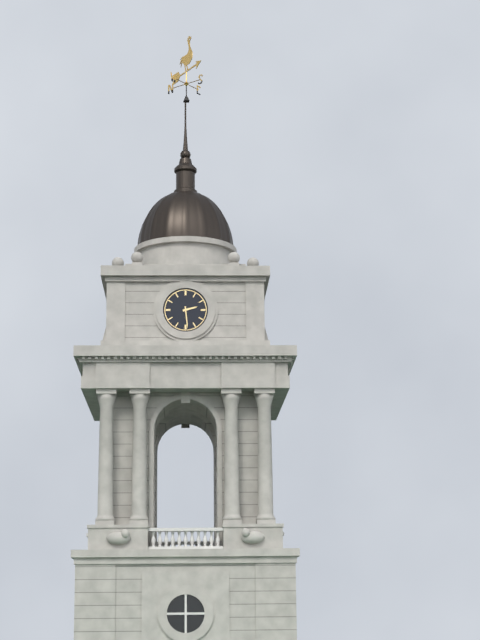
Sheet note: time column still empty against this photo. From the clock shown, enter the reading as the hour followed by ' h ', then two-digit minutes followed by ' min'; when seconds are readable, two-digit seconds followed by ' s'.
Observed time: 2 h 29 min
